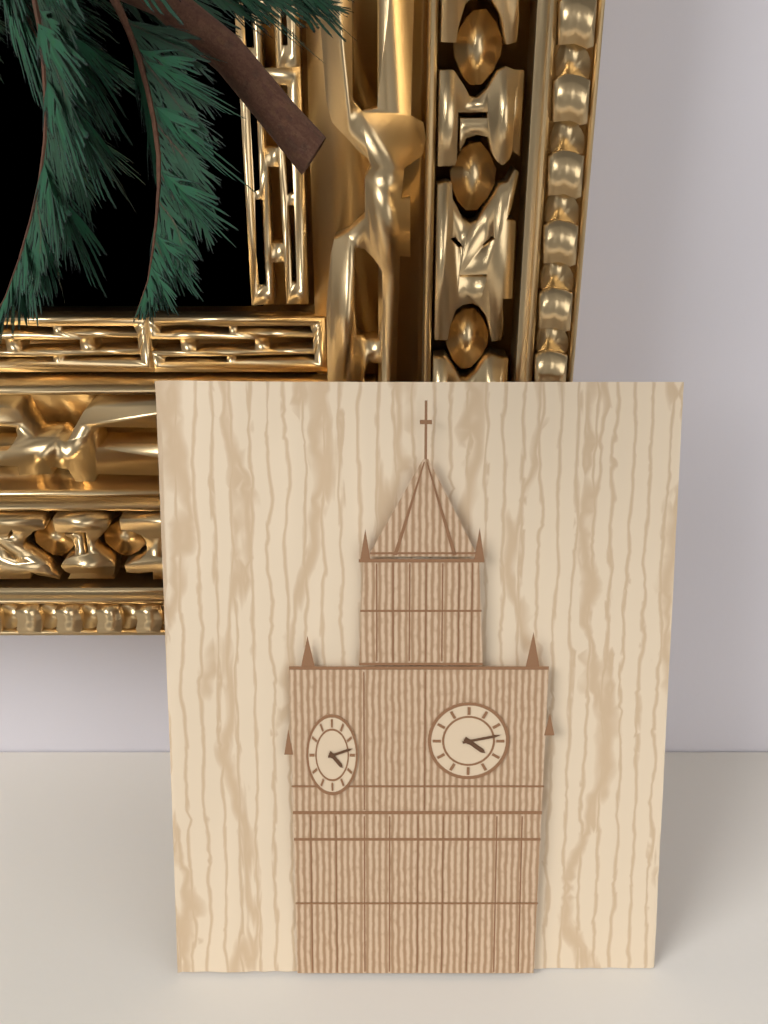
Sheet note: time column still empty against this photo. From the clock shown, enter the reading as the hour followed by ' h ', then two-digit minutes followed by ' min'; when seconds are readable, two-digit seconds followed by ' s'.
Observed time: 4 h 13 min
